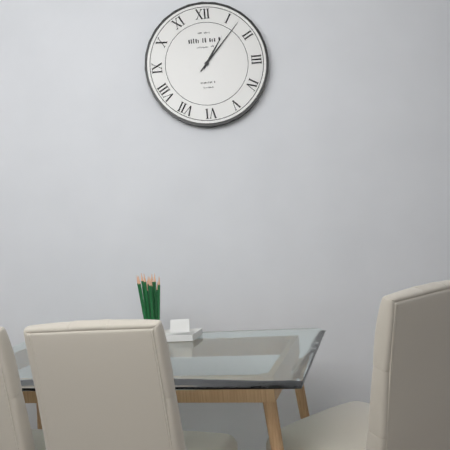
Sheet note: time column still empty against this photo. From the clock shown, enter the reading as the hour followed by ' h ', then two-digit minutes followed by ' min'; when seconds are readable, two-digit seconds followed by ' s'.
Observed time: 1 h 07 min
